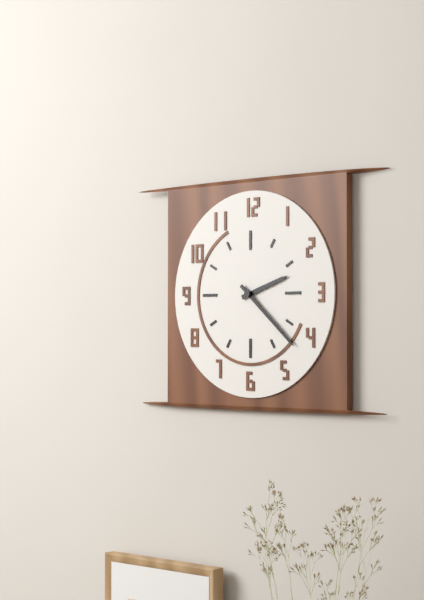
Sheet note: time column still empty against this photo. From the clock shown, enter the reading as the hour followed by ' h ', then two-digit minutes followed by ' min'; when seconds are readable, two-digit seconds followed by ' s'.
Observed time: 2 h 22 min
